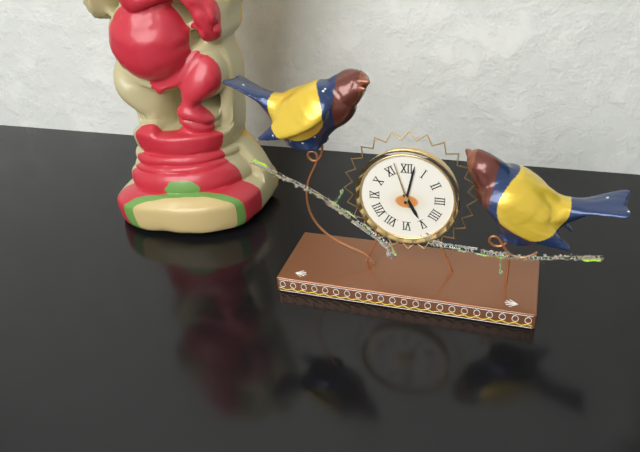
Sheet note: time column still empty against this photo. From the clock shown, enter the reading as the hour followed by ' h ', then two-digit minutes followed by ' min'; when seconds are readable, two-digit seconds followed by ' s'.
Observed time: 5 h 02 min
